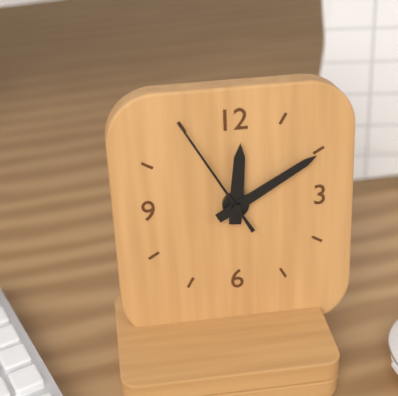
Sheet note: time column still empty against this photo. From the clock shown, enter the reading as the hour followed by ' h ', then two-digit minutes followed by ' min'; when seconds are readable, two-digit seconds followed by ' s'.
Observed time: 12 h 10 min 55 s
